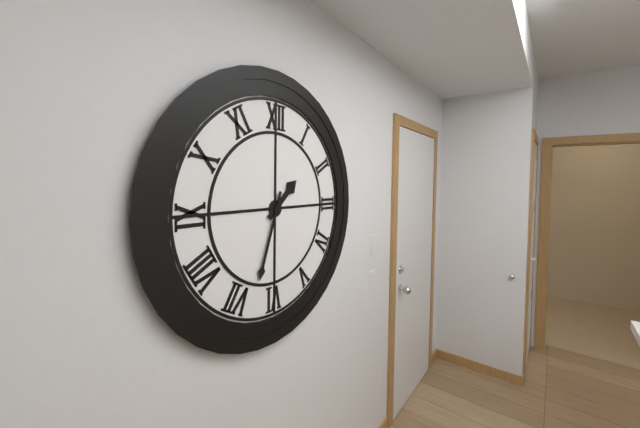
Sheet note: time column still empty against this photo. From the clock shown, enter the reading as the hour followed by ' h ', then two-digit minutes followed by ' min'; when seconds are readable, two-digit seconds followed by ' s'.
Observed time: 1 h 33 min
